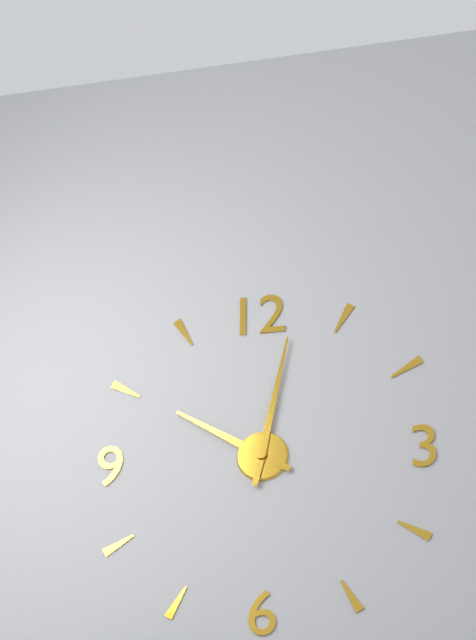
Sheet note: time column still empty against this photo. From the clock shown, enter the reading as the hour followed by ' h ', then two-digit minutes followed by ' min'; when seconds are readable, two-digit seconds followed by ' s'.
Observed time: 10 h 02 min
